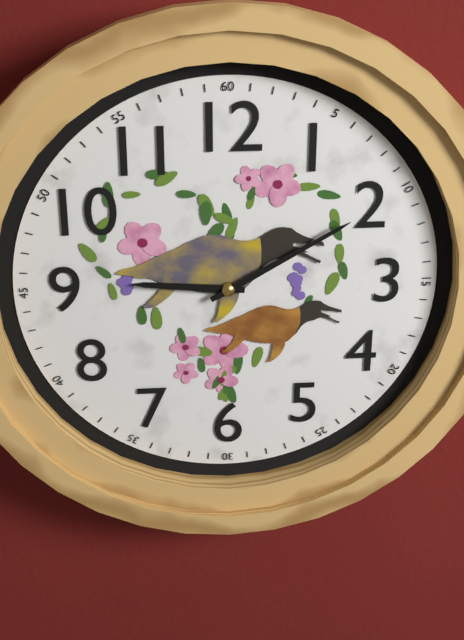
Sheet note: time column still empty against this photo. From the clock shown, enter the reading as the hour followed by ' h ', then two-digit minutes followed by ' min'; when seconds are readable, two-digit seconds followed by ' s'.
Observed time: 9 h 10 min
